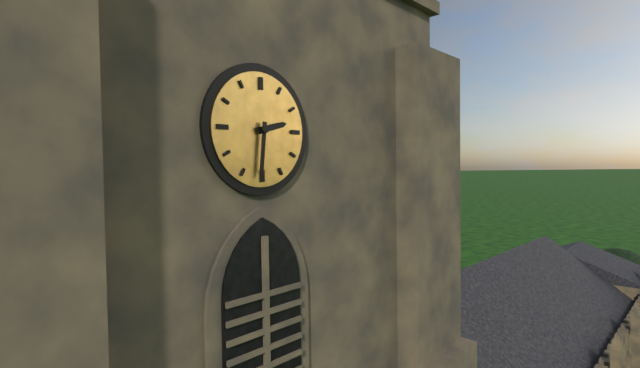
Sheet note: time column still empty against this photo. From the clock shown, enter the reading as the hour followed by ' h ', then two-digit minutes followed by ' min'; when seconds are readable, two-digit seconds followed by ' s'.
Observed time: 2 h 31 min
